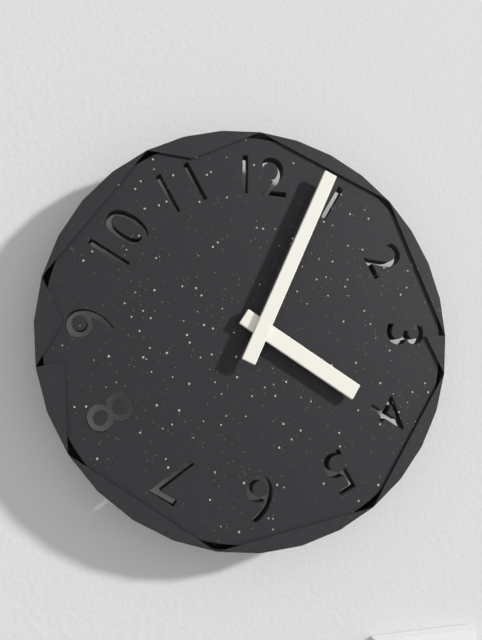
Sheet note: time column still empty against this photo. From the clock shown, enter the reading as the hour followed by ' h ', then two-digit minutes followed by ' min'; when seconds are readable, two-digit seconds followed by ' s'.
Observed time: 4 h 04 min
